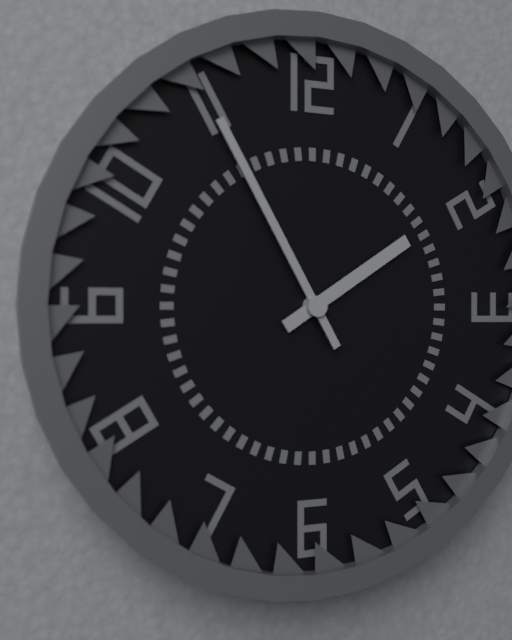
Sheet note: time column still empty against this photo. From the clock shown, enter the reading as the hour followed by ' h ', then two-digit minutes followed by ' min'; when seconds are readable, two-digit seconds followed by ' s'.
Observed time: 1 h 55 min
